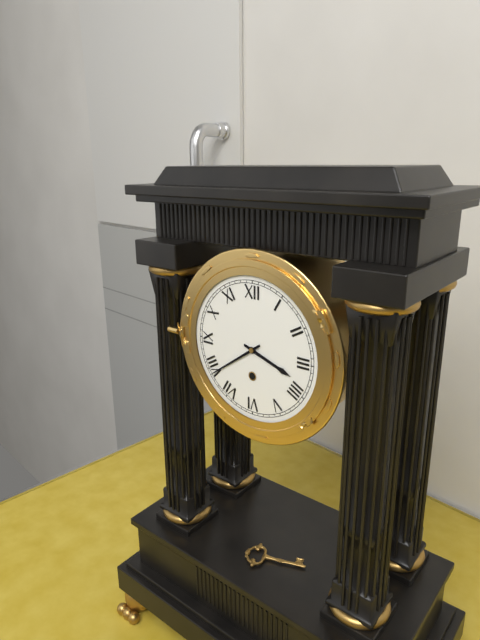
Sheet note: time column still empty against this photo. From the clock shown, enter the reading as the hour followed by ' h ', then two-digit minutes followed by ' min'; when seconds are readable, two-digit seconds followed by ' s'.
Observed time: 3 h 39 min
